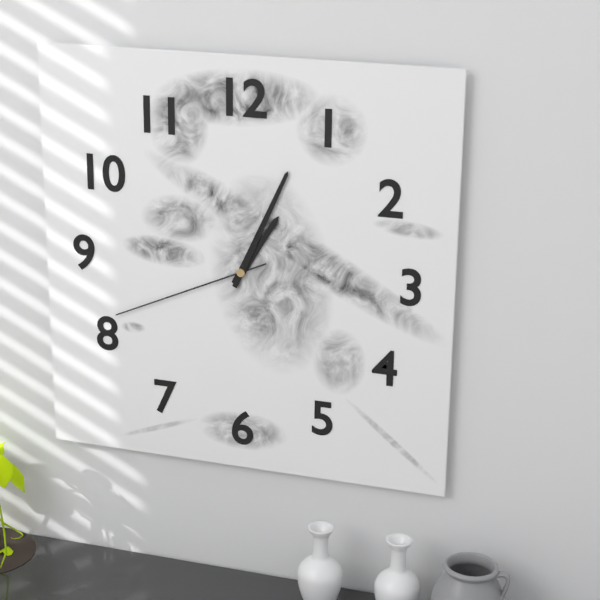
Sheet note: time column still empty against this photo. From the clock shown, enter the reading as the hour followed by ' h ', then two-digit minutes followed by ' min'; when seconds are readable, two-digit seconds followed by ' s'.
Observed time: 1 h 04 min 41 s
